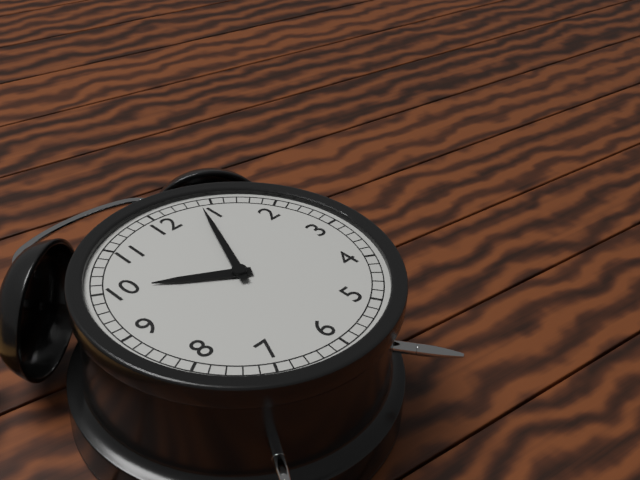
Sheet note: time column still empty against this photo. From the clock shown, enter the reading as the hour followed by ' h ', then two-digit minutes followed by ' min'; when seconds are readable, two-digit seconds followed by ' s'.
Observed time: 10 h 04 min
